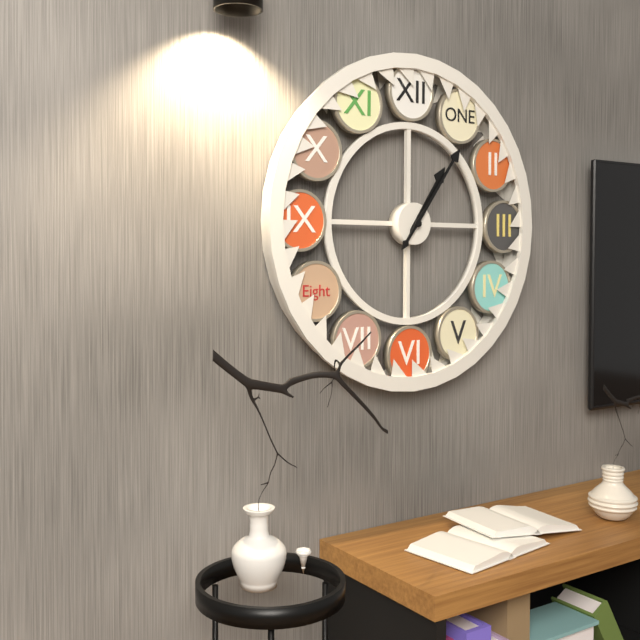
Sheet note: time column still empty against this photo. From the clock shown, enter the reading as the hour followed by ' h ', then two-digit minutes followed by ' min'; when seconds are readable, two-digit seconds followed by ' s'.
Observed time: 1 h 06 min
